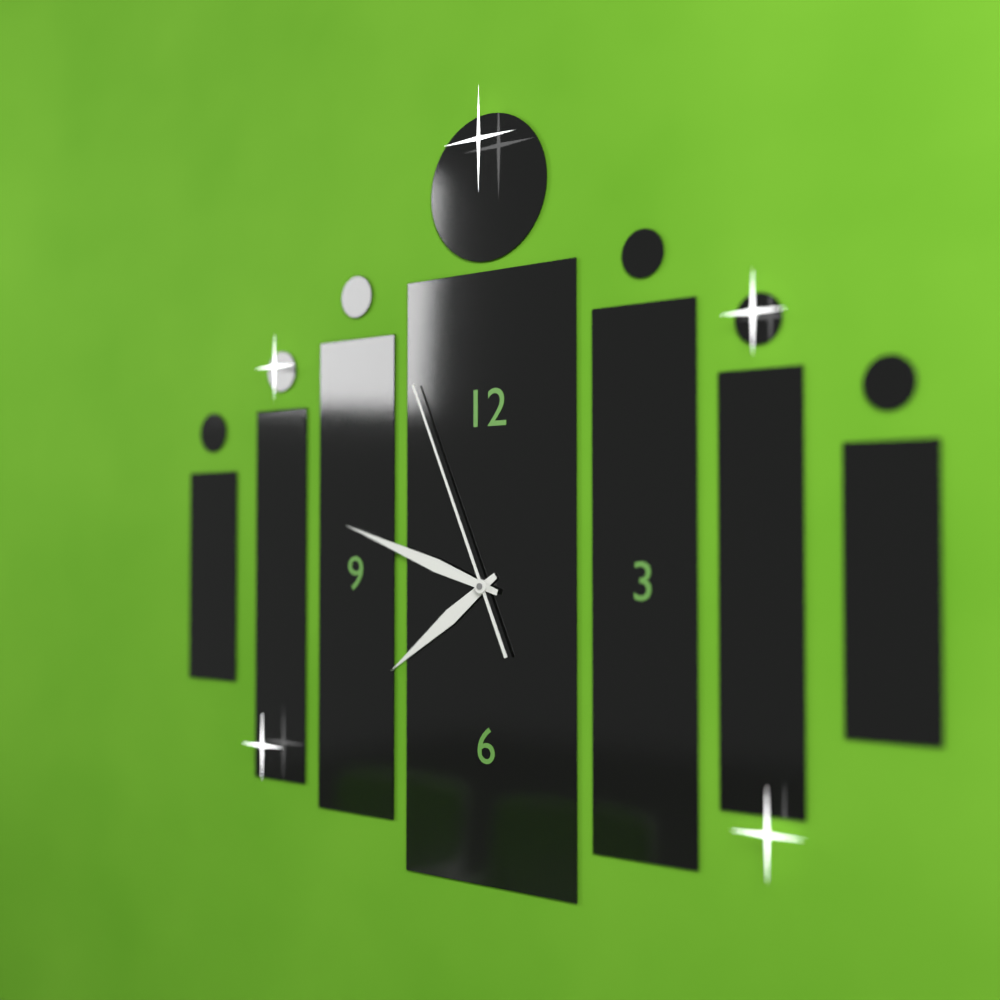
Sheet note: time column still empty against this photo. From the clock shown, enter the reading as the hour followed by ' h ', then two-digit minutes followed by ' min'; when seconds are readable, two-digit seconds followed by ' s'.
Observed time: 7 h 48 min 56 s
